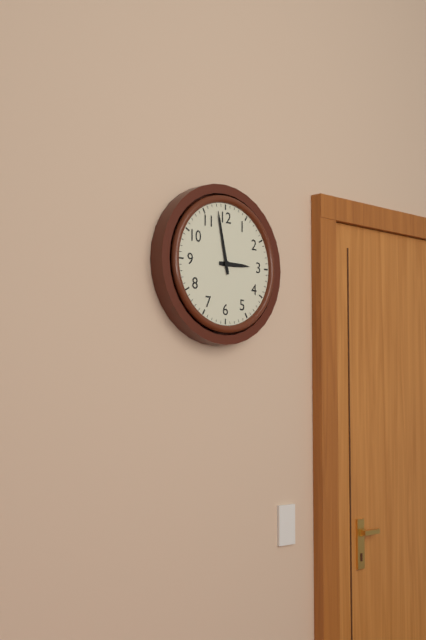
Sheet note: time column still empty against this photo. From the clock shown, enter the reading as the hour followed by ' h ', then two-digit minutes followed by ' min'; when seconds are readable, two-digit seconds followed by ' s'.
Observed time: 2 h 58 min
